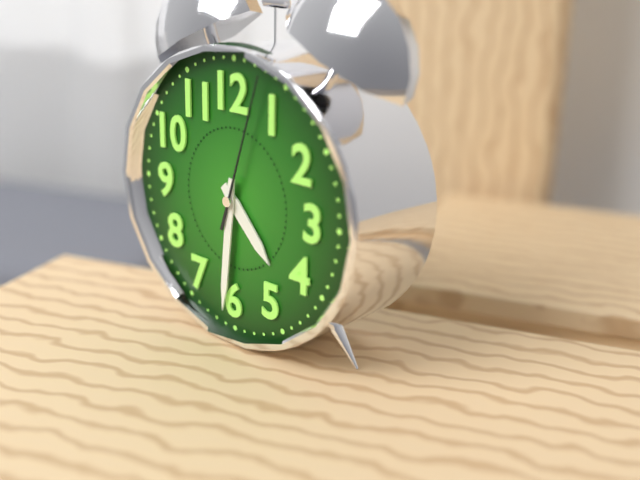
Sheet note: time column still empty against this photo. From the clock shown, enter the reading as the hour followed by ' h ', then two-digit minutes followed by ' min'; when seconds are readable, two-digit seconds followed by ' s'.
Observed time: 4 h 31 min 03 s
